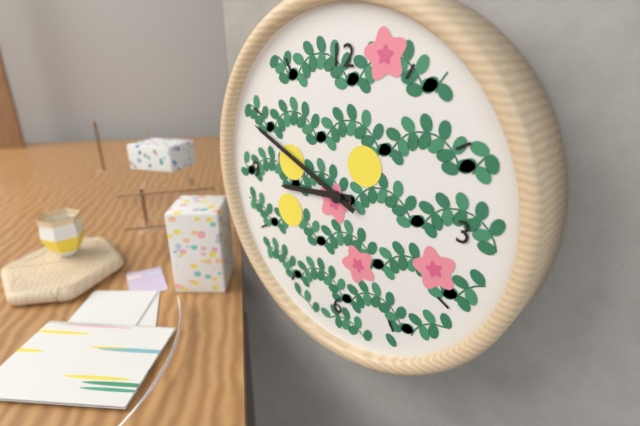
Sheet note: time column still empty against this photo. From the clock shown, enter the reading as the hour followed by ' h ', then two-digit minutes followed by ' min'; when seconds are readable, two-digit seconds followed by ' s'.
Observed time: 8 h 49 min
